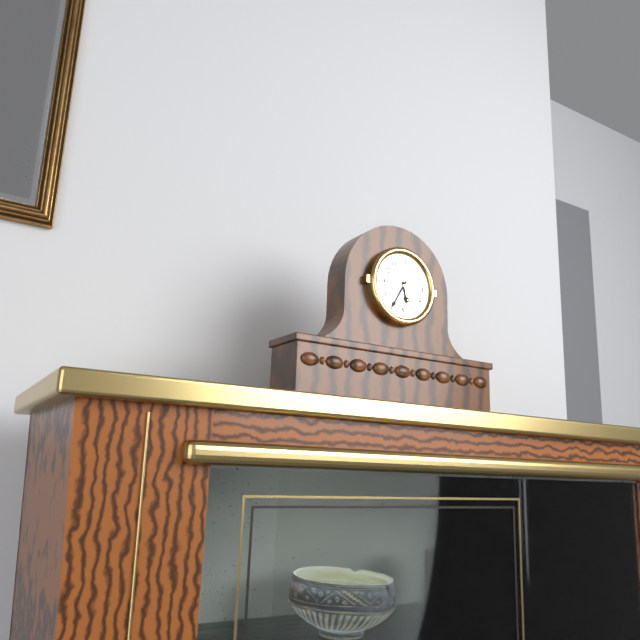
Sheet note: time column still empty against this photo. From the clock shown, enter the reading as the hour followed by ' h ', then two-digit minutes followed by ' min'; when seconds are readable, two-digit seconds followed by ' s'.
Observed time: 5 h 35 min
